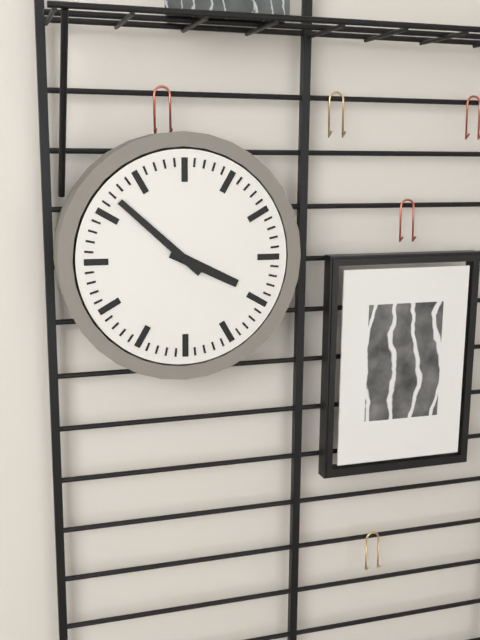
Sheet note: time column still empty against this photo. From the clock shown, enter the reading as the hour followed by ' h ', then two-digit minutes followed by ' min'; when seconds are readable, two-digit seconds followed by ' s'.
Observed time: 3 h 52 min
